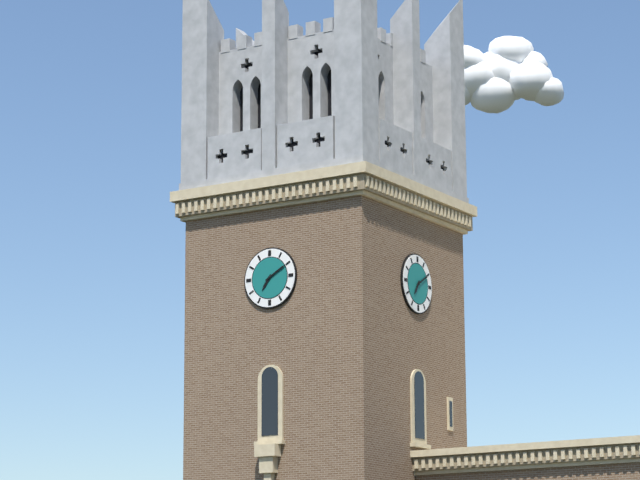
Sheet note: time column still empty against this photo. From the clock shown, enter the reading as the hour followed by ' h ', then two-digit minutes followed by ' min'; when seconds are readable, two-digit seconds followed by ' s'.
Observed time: 7 h 10 min
